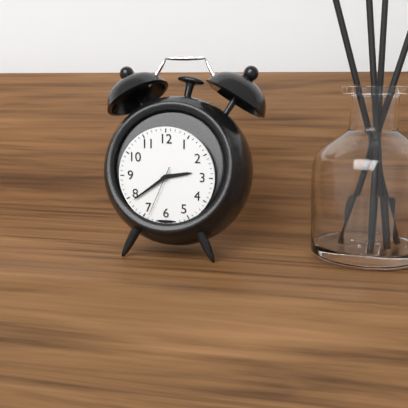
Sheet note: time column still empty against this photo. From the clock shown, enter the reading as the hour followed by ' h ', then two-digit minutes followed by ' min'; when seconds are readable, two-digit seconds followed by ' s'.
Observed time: 2 h 39 min 34 s
